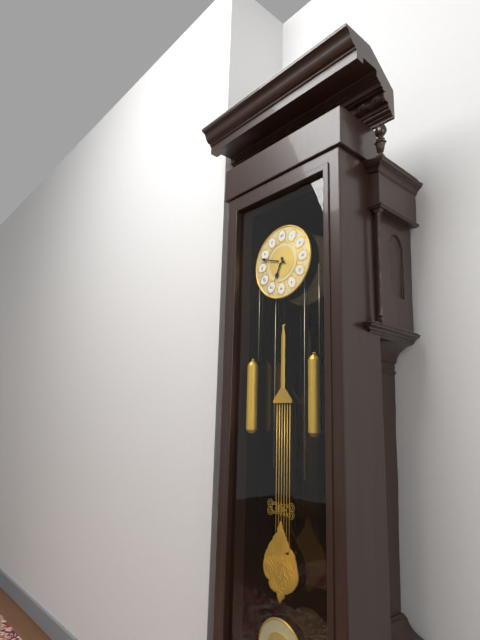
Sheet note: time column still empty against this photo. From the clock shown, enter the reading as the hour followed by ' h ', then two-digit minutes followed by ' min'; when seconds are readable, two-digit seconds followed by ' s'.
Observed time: 6 h 48 min
